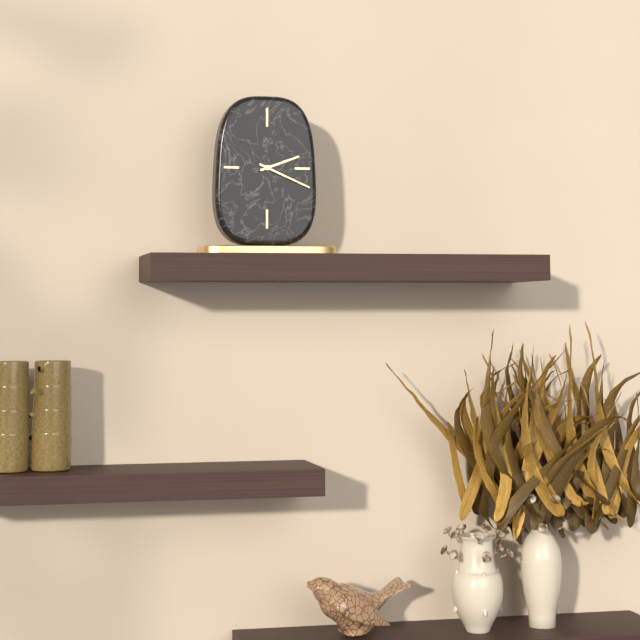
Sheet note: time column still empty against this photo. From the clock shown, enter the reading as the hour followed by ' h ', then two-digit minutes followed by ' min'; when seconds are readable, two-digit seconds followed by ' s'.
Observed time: 2 h 19 min
